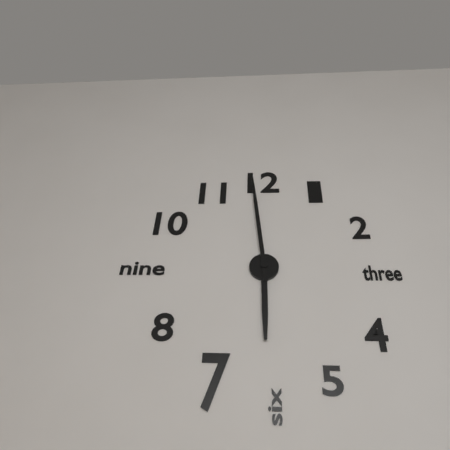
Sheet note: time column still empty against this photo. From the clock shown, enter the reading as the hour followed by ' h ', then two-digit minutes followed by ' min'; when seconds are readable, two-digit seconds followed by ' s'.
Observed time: 5 h 59 min
